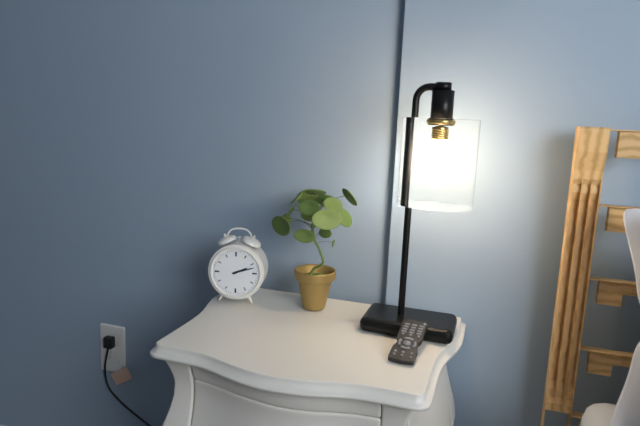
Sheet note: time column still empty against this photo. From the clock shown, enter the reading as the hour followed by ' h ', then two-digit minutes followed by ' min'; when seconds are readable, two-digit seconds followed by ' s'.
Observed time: 2 h 12 min
